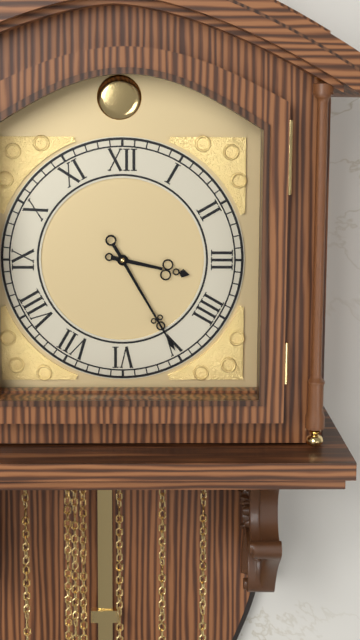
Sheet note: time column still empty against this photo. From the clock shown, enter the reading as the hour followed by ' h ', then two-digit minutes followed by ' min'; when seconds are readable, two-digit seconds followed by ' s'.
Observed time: 3 h 25 min
